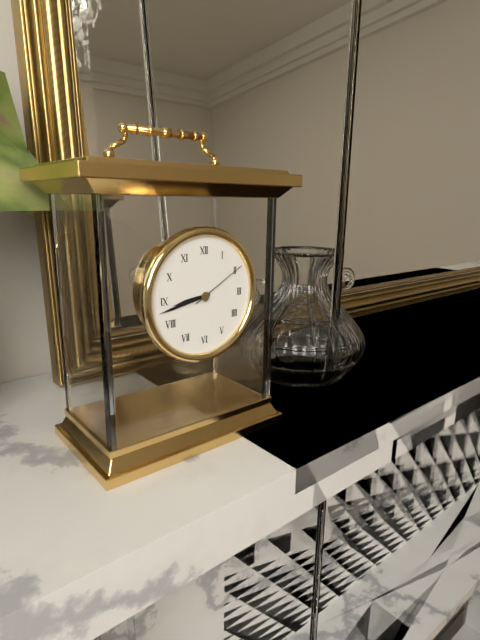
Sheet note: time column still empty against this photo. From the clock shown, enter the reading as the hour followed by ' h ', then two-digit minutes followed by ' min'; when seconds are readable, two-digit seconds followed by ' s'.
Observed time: 8 h 43 min 10 s
